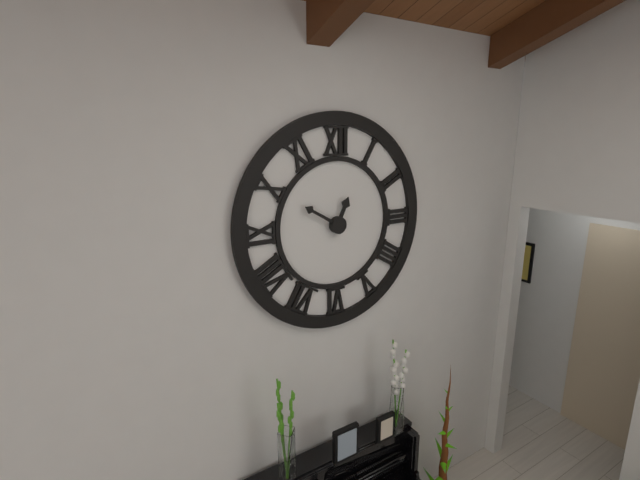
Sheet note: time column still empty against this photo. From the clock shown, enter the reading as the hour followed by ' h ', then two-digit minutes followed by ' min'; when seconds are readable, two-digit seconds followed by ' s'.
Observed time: 12 h 50 min
